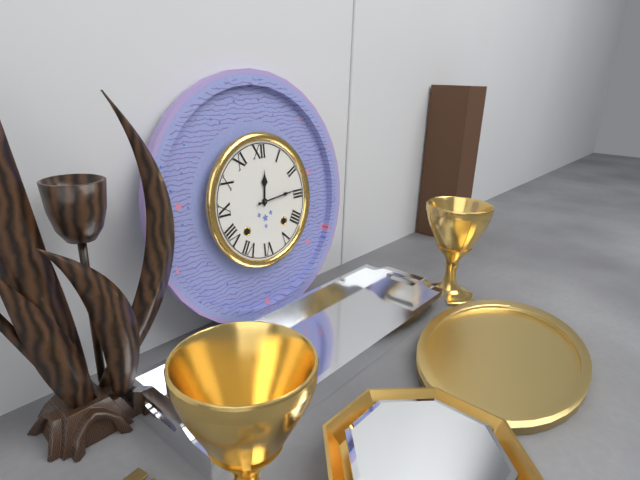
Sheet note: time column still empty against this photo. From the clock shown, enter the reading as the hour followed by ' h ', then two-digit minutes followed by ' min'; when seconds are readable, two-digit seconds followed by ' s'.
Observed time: 12 h 14 min
